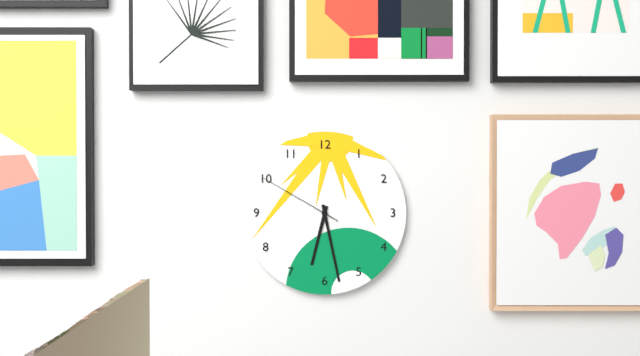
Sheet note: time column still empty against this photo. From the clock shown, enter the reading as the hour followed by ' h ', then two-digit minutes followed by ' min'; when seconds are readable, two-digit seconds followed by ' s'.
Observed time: 6 h 28 min 50 s
